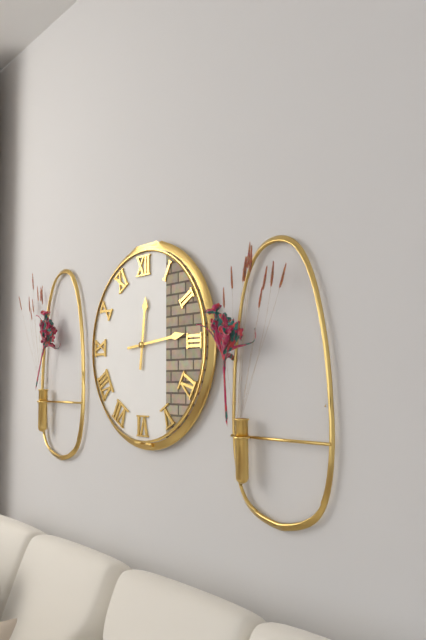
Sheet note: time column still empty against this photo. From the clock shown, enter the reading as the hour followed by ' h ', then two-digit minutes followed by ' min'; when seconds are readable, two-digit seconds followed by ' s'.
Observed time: 12 h 14 min
